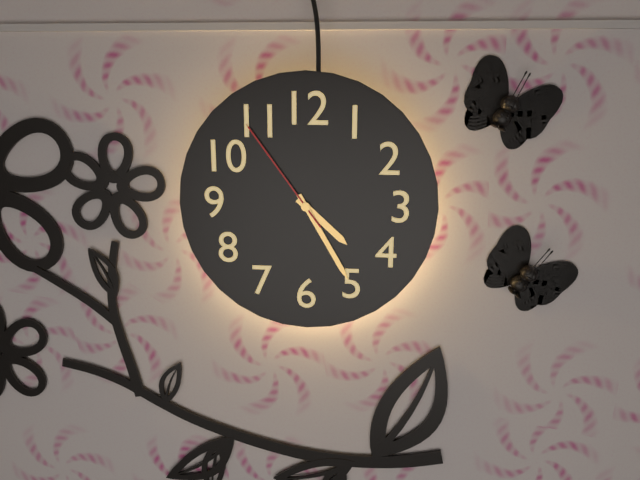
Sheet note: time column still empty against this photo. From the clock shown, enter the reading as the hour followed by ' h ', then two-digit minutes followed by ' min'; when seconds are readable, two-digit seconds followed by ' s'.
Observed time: 4 h 25 min 54 s
